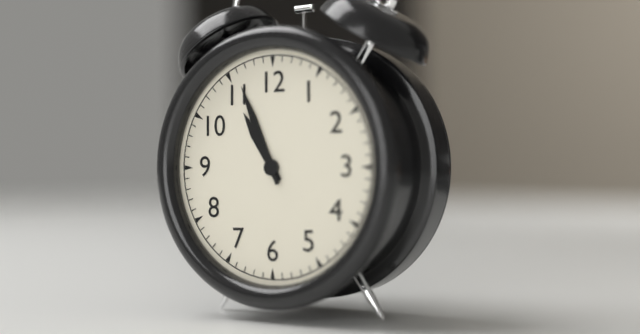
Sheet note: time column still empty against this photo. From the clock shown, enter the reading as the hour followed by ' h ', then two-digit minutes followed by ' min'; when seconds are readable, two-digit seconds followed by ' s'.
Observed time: 10 h 56 min
